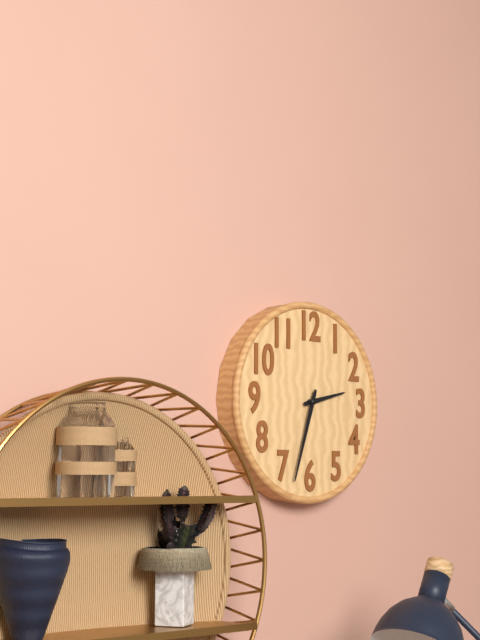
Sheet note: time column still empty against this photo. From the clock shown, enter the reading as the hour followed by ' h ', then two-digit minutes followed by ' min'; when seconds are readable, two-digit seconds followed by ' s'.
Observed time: 2 h 33 min
